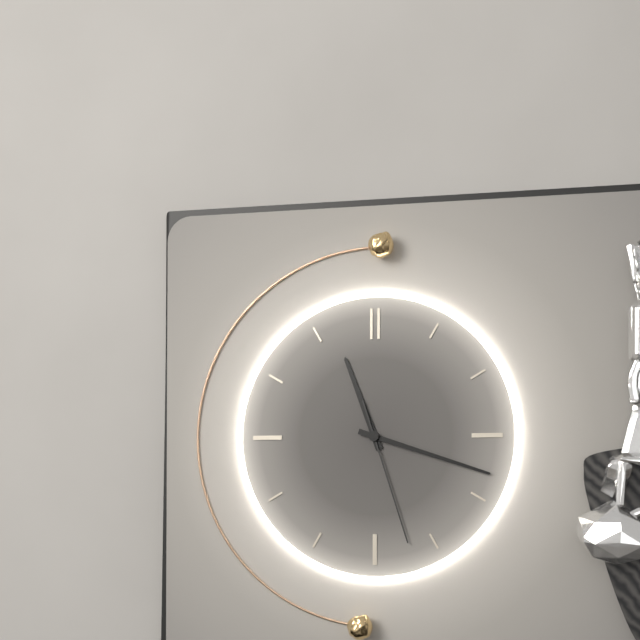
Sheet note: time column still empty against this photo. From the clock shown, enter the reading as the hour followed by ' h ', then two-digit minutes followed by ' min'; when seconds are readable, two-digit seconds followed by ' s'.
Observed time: 11 h 18 min 27 s
